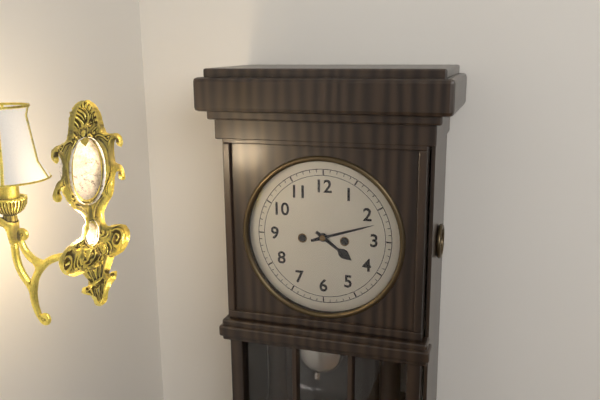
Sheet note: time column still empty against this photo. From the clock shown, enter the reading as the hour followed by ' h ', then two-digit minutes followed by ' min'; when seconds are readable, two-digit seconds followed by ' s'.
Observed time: 4 h 12 min
